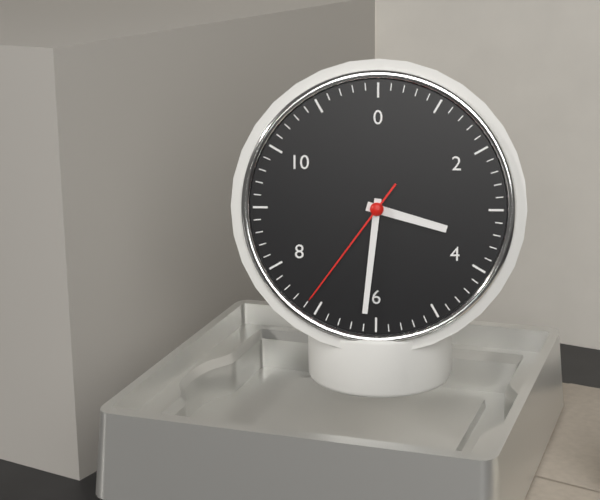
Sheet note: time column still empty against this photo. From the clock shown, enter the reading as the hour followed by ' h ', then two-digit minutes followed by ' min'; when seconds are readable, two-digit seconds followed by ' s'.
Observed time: 3 h 31 min 36 s
